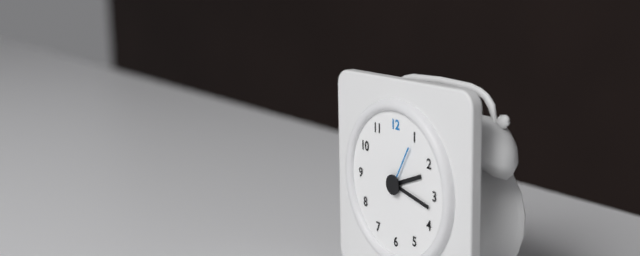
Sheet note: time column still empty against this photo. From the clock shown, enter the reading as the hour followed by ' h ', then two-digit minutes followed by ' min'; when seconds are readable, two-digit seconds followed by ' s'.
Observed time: 2 h 17 min
